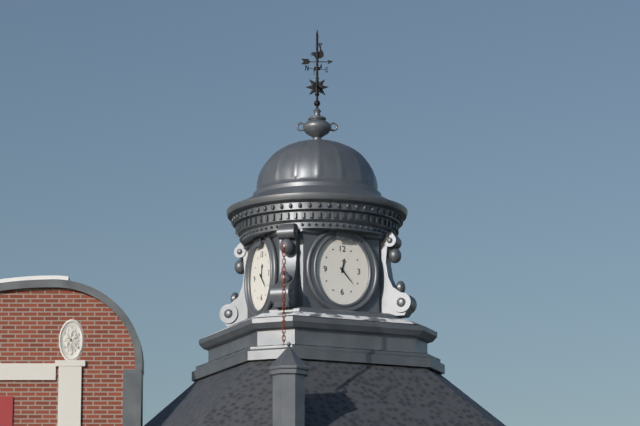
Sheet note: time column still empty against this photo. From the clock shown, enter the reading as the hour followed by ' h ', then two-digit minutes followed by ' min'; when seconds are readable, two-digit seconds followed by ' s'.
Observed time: 12 h 23 min
